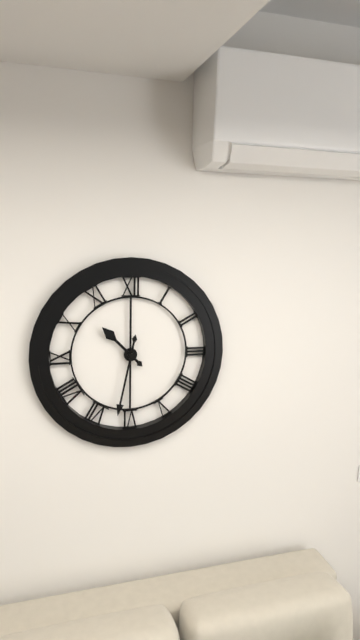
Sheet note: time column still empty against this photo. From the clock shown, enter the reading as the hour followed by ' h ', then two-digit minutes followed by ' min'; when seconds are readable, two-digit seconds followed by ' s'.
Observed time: 10 h 32 min
